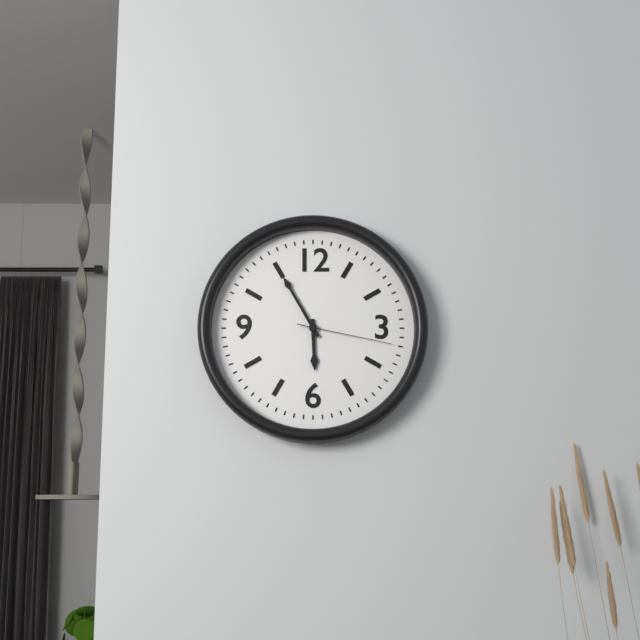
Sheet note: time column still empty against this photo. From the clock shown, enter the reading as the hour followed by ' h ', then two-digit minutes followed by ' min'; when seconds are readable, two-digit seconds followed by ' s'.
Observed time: 5 h 55 min 17 s
